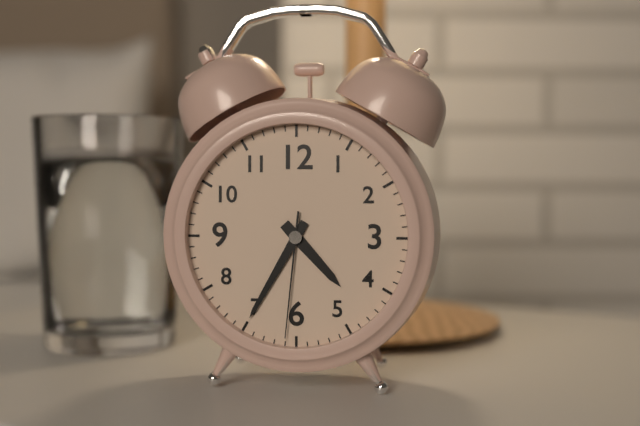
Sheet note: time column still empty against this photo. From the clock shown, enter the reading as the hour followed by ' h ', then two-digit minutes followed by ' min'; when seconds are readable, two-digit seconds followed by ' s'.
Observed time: 4 h 35 min 31 s
